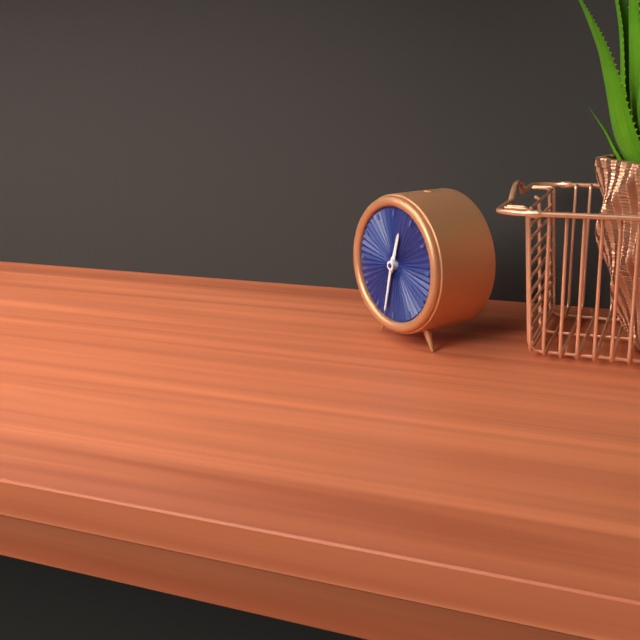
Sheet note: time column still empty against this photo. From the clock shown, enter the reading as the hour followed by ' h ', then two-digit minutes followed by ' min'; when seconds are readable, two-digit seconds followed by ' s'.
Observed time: 12 h 32 min
